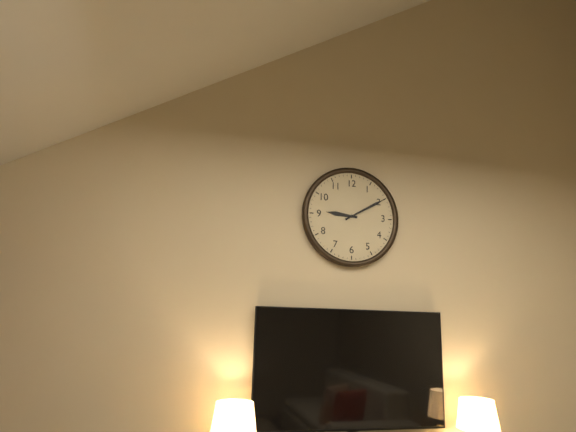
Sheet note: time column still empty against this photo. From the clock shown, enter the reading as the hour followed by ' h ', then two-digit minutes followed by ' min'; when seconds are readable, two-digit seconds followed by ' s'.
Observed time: 9 h 10 min
